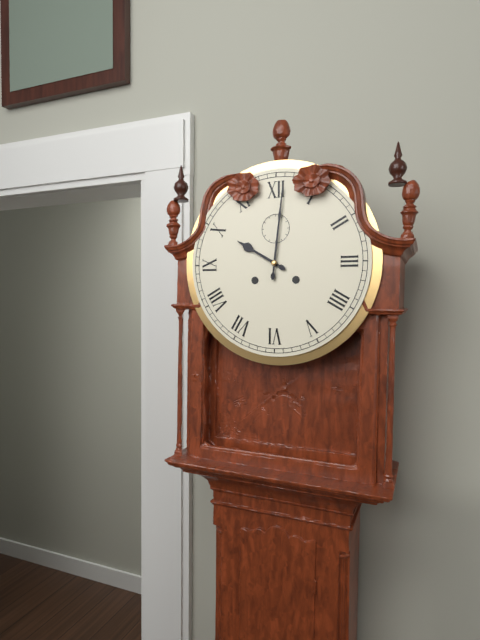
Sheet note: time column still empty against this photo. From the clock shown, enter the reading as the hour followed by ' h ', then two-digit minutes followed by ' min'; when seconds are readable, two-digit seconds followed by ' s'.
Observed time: 10 h 01 min
